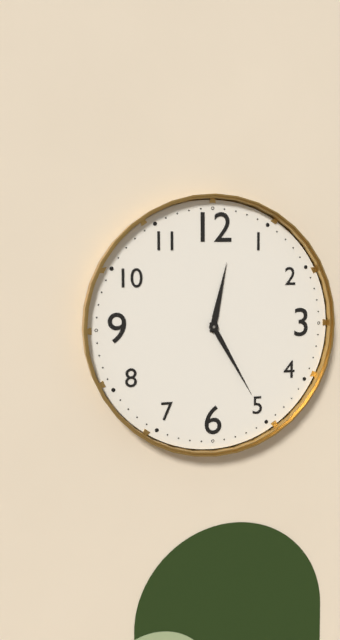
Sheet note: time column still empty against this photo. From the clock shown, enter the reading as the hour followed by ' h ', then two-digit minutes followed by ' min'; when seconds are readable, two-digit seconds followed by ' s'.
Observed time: 12 h 25 min
